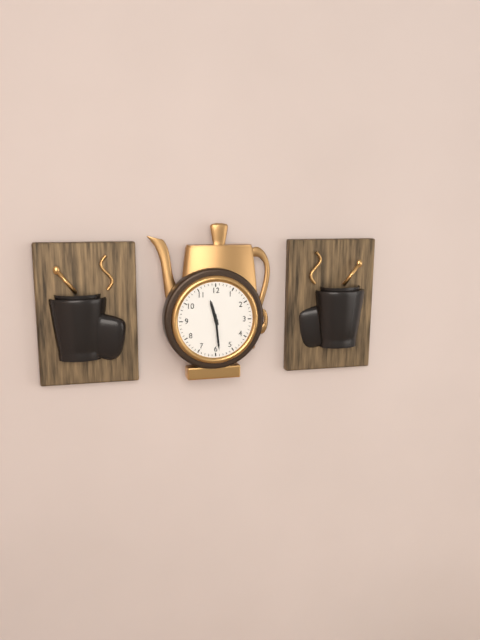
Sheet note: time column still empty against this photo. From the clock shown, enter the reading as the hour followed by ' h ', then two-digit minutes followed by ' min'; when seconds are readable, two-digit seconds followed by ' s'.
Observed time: 11 h 29 min
